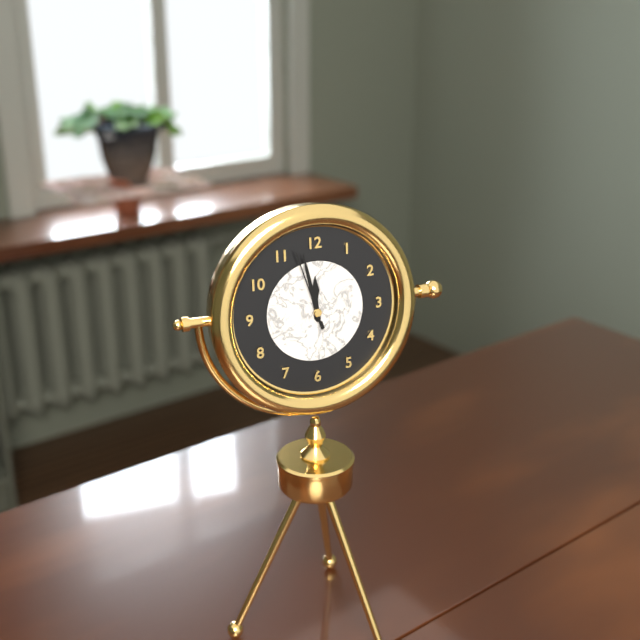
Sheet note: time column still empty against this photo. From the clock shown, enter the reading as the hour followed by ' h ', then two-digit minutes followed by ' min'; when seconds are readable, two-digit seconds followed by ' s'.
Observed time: 11 h 58 min 57 s
